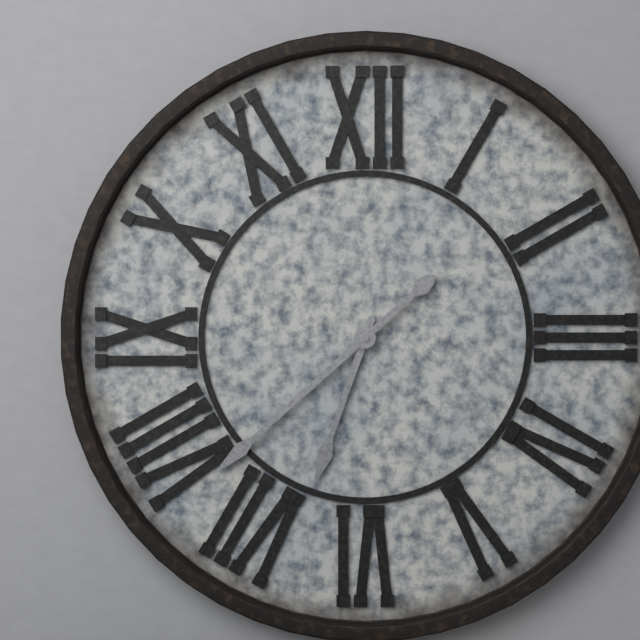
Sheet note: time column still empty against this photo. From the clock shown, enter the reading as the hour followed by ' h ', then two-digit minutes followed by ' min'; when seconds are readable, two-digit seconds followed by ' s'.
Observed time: 6 h 38 min
